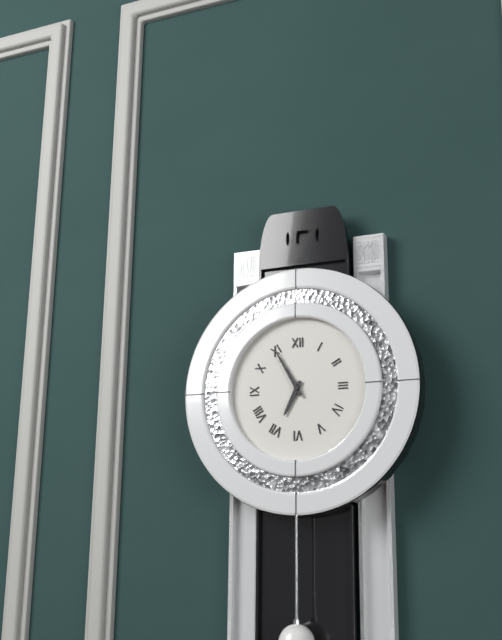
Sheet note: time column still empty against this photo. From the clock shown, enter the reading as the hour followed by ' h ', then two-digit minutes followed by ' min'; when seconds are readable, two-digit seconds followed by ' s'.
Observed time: 6 h 55 min
